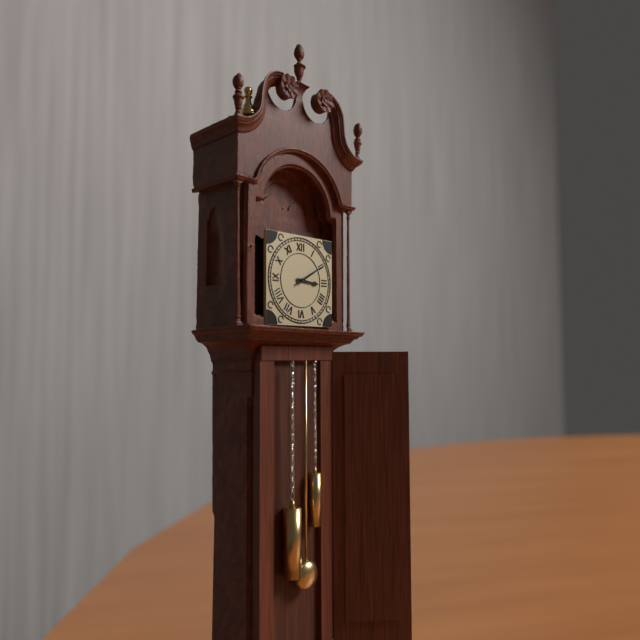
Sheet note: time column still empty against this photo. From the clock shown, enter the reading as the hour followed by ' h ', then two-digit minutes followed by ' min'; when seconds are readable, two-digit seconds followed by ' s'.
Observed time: 3 h 10 min
